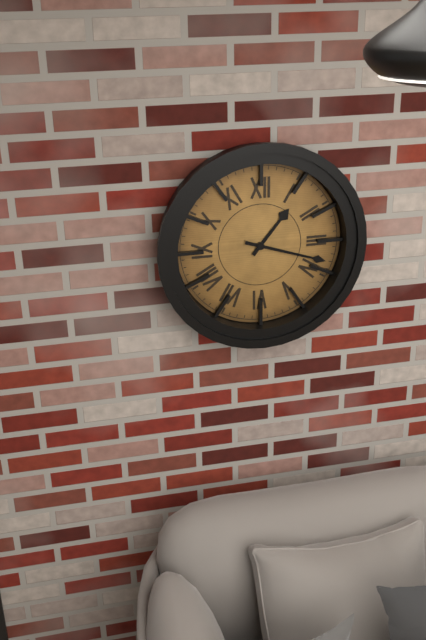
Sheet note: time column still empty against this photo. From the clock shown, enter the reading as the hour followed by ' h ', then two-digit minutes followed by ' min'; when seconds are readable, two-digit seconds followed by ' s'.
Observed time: 1 h 18 min
